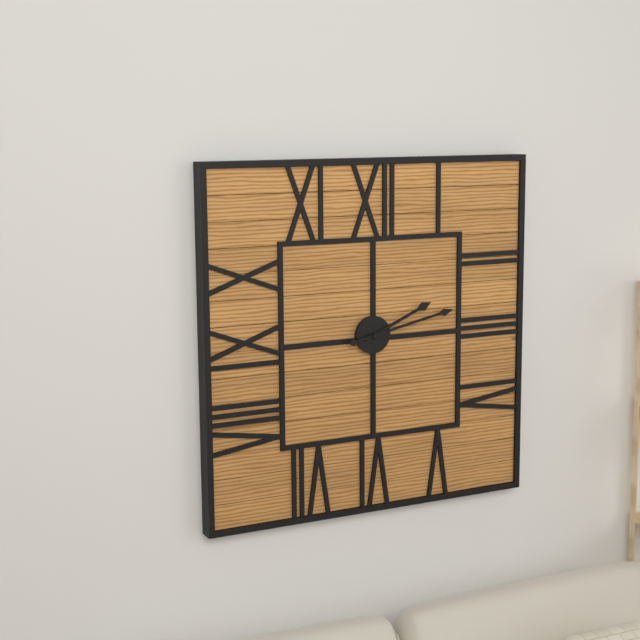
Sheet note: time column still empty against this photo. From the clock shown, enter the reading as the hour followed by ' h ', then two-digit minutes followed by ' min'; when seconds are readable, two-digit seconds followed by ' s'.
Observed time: 2 h 13 min
